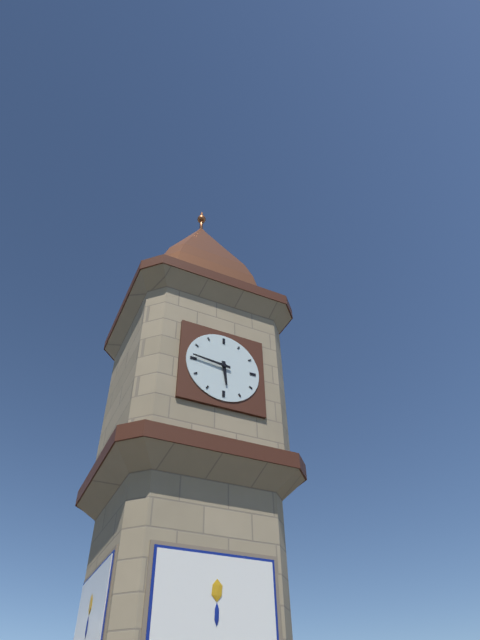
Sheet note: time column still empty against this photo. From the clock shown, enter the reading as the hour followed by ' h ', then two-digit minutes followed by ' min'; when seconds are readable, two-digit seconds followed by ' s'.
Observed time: 5 h 46 min
